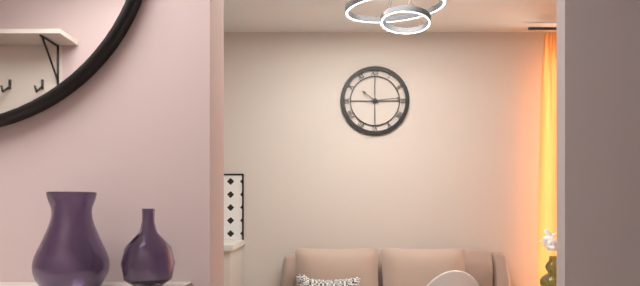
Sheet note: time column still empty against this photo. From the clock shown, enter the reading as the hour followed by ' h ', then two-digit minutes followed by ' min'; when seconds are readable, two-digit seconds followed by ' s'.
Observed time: 10 h 14 min
